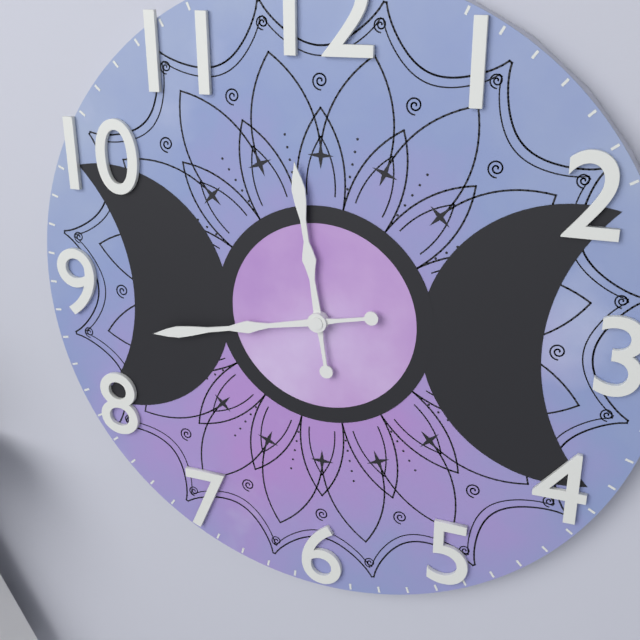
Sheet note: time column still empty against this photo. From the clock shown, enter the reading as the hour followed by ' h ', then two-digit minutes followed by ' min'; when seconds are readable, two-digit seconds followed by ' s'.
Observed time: 11 h 43 min
